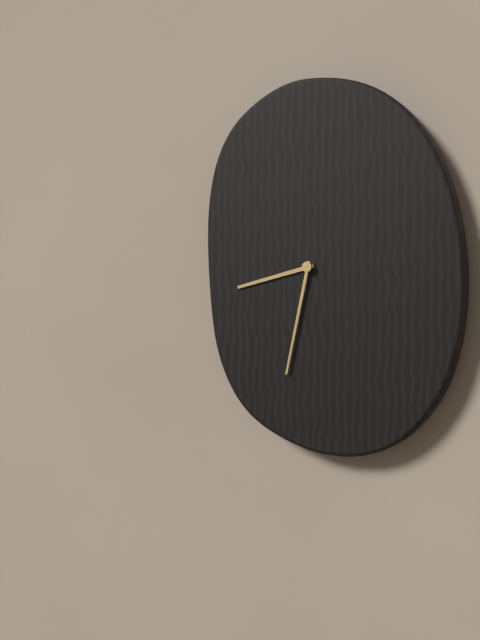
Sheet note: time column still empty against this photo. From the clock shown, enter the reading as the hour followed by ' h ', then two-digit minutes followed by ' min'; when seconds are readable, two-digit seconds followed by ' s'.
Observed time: 8 h 32 min
